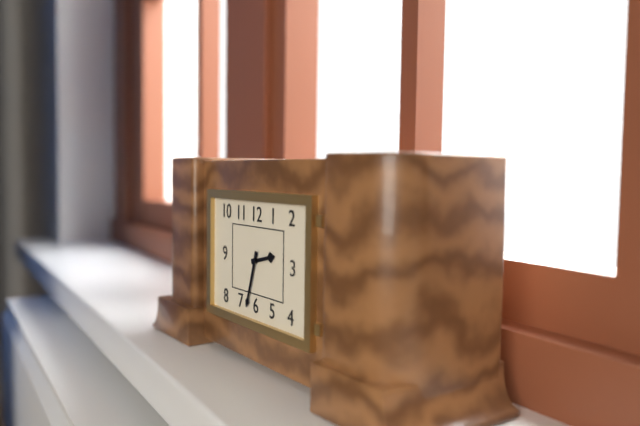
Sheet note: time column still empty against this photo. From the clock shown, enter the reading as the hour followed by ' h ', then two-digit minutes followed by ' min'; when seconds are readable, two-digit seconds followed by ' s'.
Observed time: 2 h 33 min
